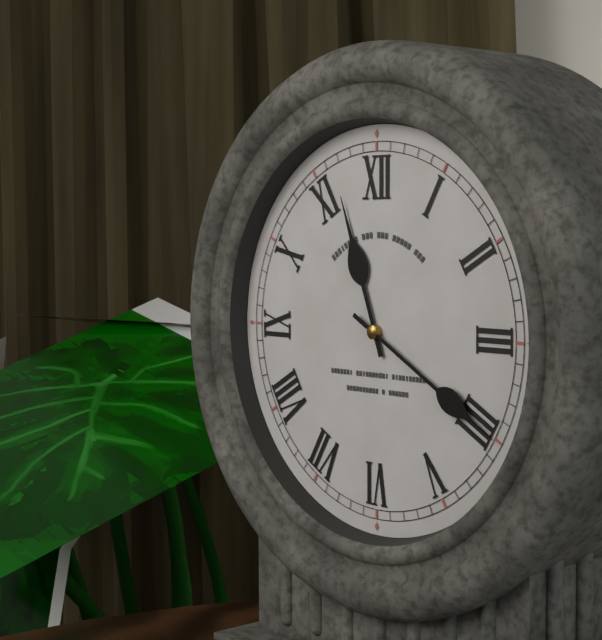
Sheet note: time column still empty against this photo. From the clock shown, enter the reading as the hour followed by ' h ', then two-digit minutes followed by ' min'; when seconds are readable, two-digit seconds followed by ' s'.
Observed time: 11 h 20 min
